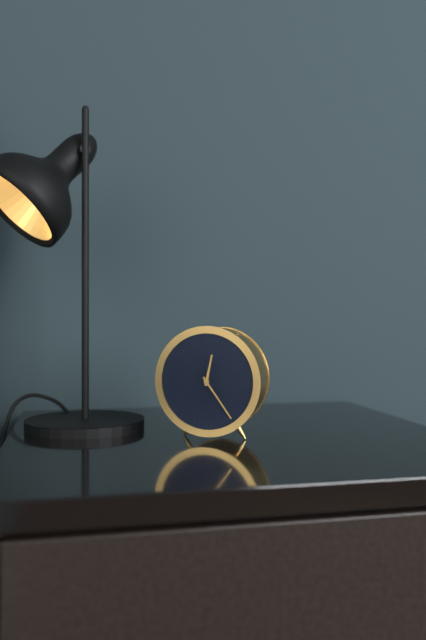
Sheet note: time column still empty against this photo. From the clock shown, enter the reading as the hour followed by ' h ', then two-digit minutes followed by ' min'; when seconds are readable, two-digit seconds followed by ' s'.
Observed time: 12 h 24 min
